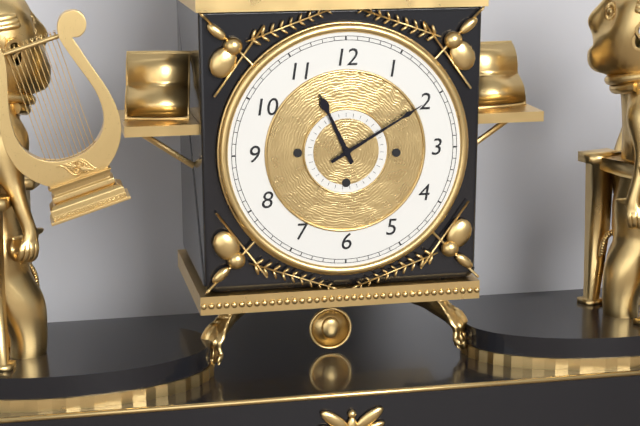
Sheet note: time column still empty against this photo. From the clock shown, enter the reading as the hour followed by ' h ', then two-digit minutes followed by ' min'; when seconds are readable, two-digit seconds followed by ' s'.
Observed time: 11 h 10 min
